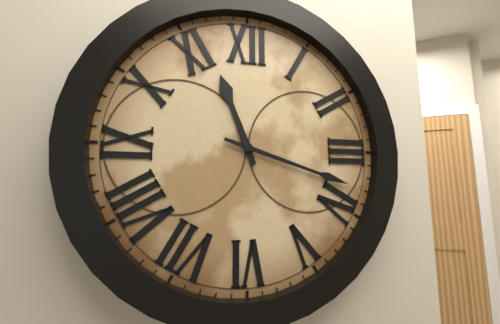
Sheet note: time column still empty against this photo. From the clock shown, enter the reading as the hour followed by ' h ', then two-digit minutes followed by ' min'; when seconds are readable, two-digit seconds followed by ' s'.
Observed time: 11 h 18 min
